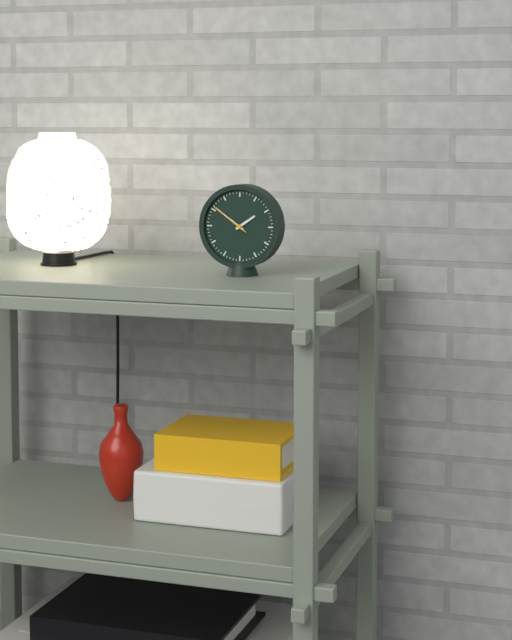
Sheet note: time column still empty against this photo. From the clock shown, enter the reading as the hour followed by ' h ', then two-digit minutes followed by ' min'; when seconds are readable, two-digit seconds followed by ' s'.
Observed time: 1 h 51 min
